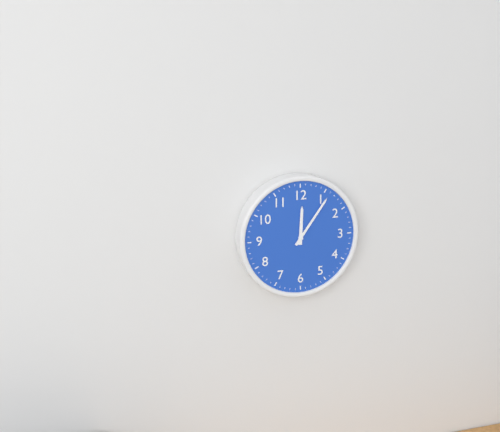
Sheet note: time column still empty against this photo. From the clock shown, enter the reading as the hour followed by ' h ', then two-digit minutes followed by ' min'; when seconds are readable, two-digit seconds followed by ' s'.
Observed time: 12 h 06 min
